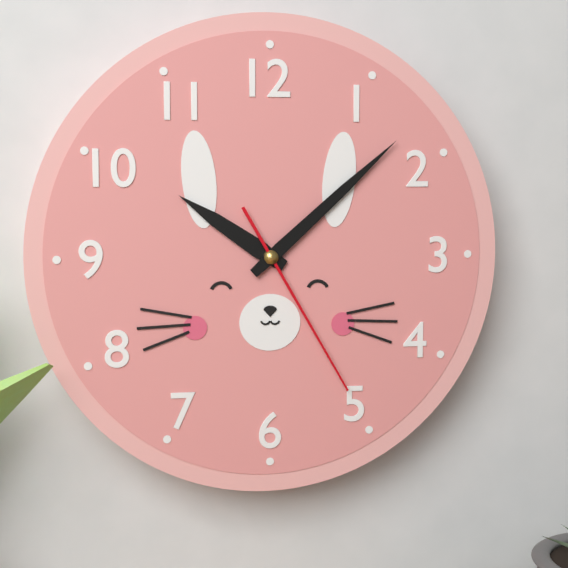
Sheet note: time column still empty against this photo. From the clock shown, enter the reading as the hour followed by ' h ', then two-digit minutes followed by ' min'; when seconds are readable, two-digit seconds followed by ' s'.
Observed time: 10 h 08 min 25 s
